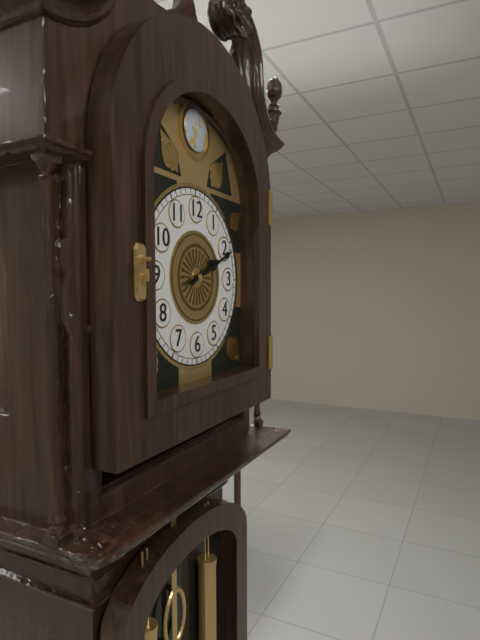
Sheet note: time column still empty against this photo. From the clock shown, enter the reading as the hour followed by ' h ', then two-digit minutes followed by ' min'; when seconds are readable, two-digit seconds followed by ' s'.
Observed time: 2 h 11 min
